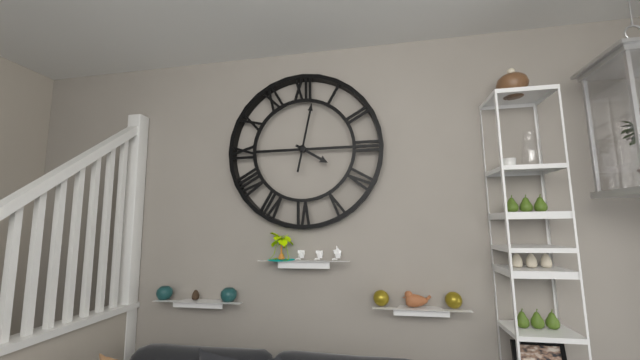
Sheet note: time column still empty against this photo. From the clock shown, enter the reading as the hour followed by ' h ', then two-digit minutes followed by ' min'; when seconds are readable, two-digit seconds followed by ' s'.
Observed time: 4 h 02 min
